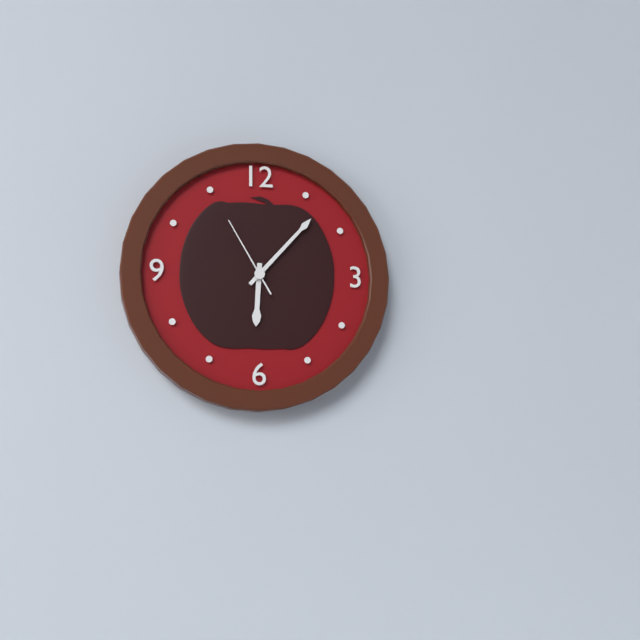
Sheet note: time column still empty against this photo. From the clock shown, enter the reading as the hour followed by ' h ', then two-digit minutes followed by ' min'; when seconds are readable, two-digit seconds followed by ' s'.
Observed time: 6 h 07 min 55 s
